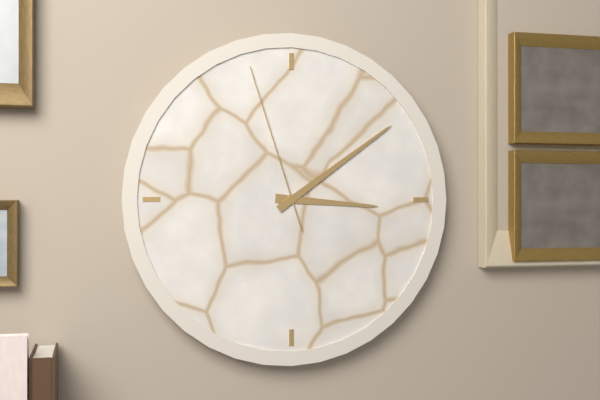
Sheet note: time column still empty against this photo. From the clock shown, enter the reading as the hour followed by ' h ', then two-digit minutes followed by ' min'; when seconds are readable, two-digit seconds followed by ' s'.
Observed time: 3 h 09 min 57 s
